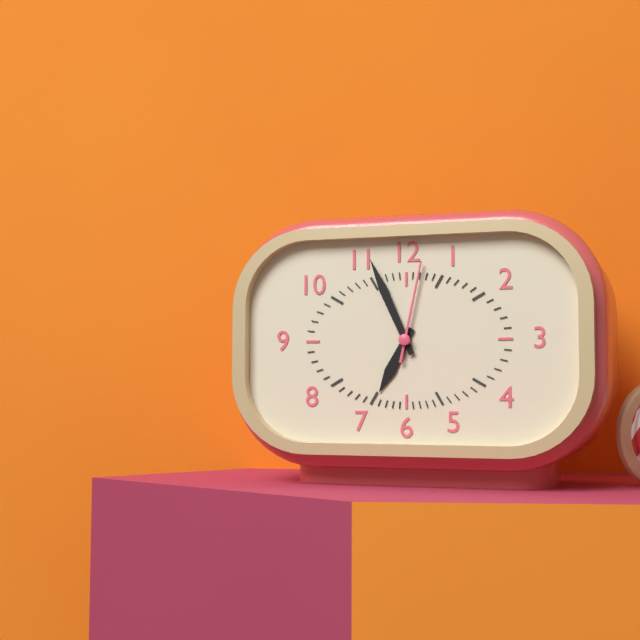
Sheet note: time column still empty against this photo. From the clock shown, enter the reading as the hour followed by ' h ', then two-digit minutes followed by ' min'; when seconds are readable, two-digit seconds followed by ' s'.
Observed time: 6 h 56 min 02 s
